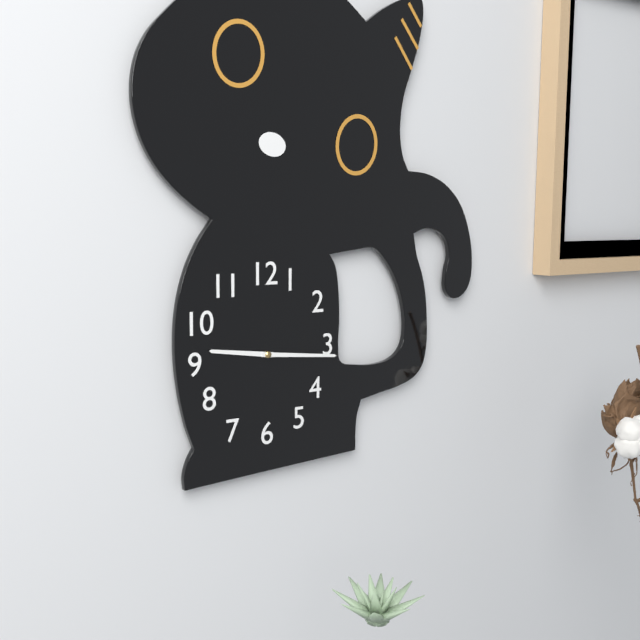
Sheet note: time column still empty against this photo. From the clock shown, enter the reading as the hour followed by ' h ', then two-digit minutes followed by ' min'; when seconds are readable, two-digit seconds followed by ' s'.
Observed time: 9 h 16 min
